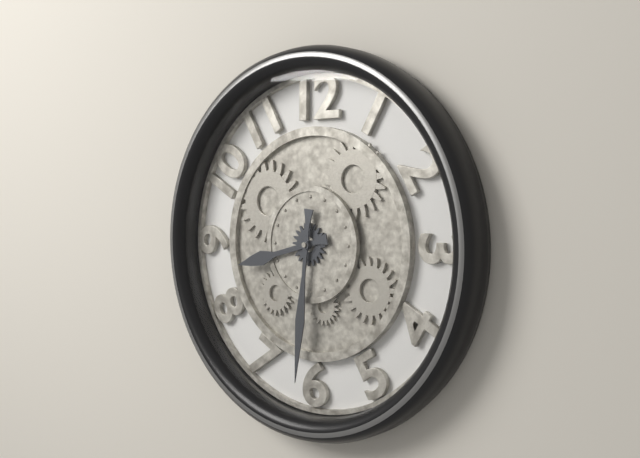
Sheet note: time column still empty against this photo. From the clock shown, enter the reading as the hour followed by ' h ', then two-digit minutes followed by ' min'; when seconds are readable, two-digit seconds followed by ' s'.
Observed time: 8 h 31 min
